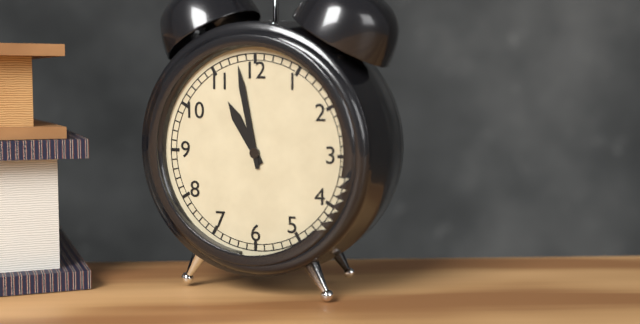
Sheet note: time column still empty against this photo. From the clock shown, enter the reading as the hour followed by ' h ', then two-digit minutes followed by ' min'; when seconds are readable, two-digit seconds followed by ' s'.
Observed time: 10 h 58 min
